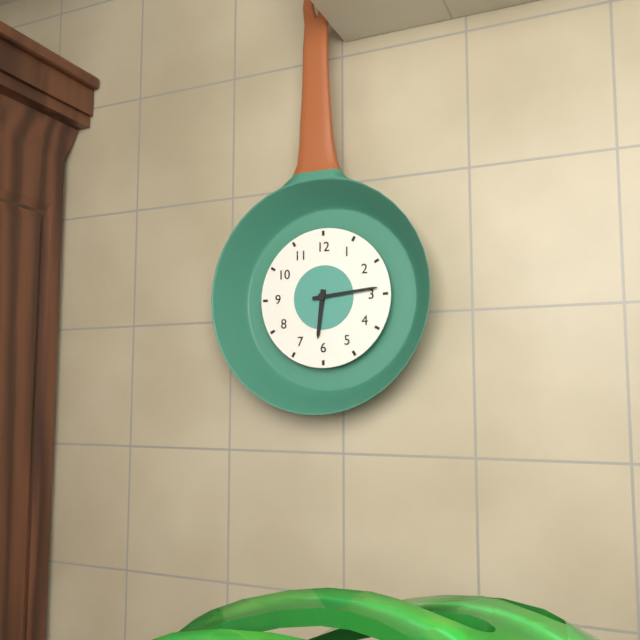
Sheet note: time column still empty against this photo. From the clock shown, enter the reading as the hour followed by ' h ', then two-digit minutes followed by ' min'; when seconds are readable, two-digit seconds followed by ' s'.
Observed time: 6 h 14 min
